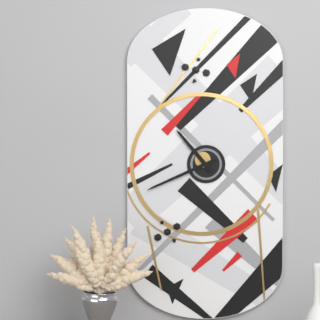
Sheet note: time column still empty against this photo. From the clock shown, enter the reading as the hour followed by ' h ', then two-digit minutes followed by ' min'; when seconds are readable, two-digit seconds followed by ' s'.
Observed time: 10 h 41 min
